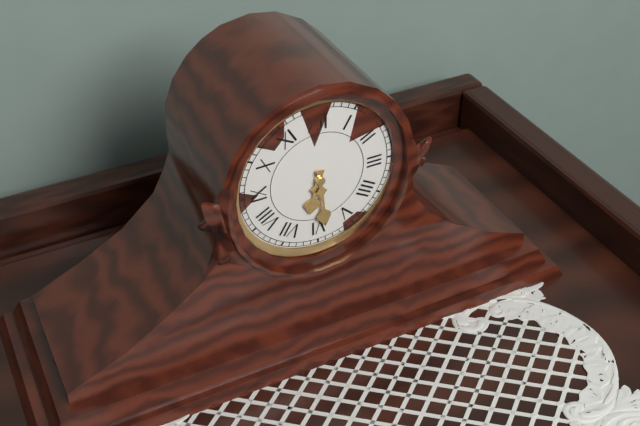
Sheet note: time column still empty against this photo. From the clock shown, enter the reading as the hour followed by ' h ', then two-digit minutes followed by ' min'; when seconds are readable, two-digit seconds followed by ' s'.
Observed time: 6 h 29 min
